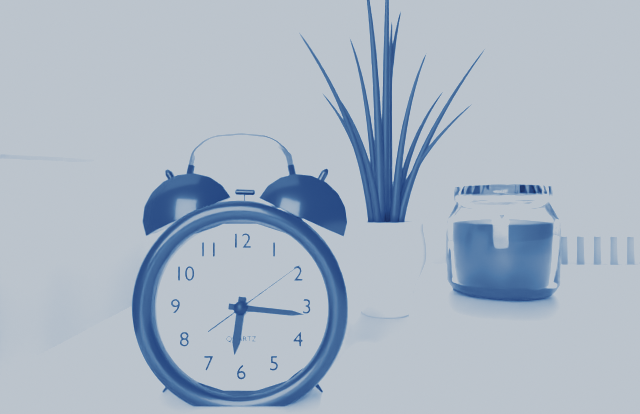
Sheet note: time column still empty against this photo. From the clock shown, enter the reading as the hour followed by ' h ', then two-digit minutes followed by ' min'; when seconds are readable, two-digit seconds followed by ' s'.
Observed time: 6 h 16 min 09 s
